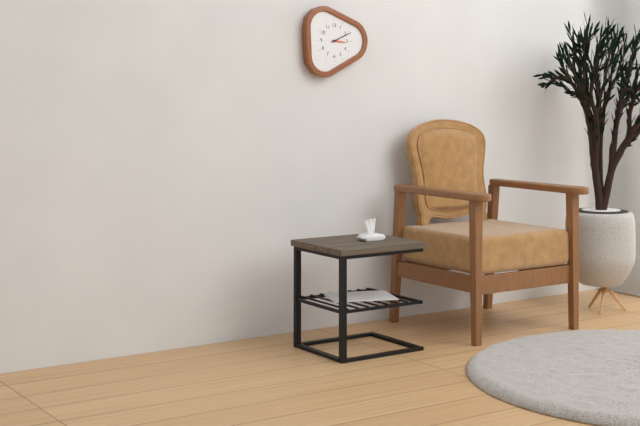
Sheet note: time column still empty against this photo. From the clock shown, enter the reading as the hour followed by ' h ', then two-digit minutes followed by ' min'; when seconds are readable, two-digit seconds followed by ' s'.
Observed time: 3 h 11 min
